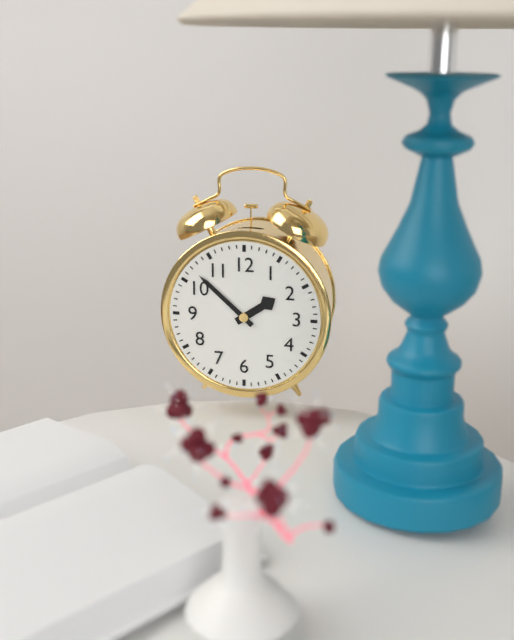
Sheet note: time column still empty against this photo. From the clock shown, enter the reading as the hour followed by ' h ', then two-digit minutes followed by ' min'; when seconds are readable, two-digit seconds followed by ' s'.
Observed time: 1 h 52 min
